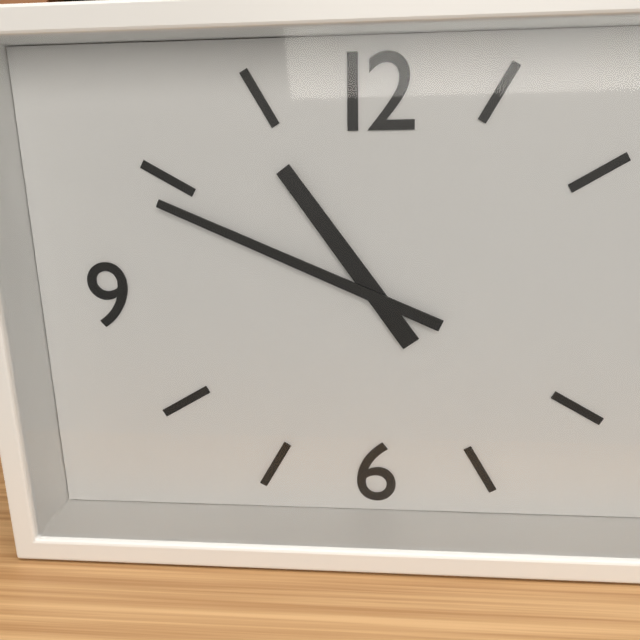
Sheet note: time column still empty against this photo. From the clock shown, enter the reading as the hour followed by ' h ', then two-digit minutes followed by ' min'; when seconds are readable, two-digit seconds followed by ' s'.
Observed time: 10 h 49 min
